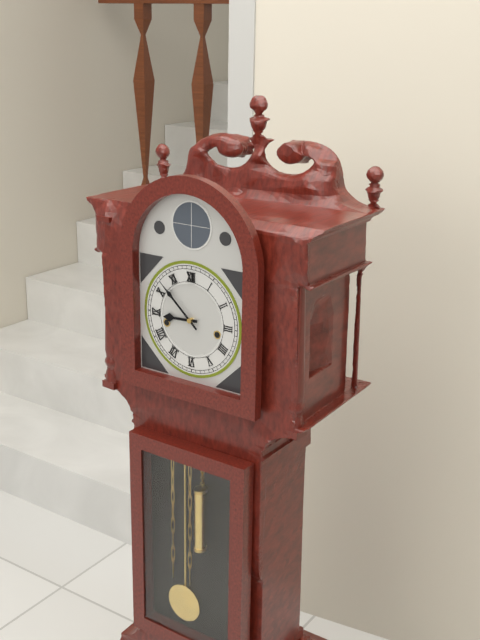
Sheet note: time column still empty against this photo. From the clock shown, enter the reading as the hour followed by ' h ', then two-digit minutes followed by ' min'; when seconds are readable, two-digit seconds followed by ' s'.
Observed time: 8 h 52 min
